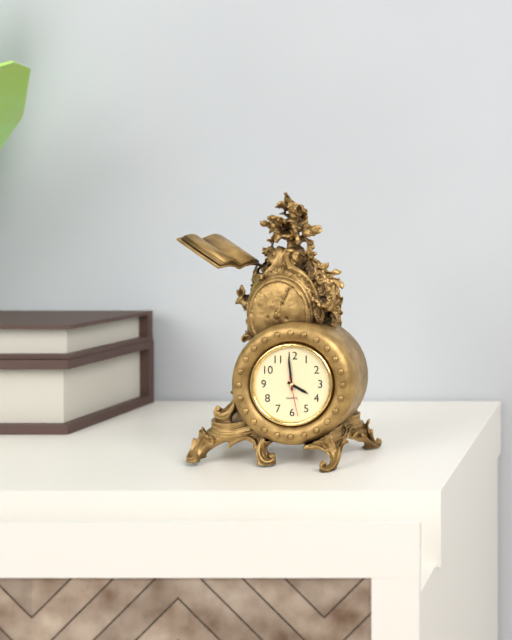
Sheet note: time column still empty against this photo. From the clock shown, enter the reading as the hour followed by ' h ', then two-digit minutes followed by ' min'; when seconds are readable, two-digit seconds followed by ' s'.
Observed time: 3 h 59 min
